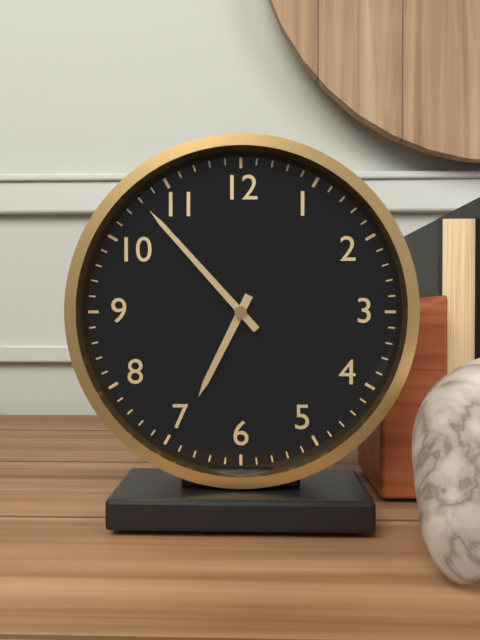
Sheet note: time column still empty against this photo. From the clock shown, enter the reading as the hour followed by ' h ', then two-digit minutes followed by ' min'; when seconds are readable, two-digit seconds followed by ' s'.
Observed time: 6 h 53 min
